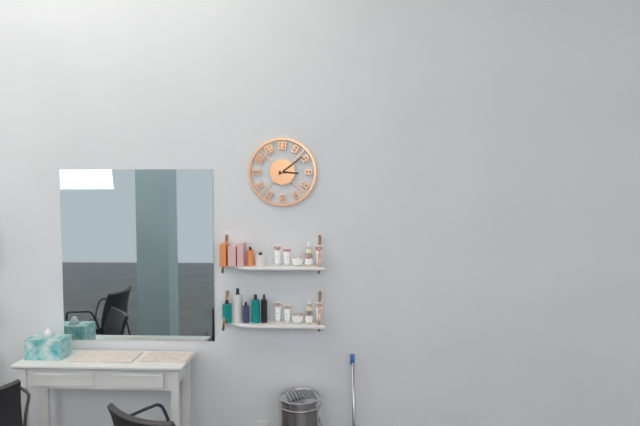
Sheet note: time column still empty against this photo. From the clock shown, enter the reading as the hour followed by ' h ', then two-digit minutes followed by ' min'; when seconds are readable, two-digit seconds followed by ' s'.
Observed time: 3 h 09 min
